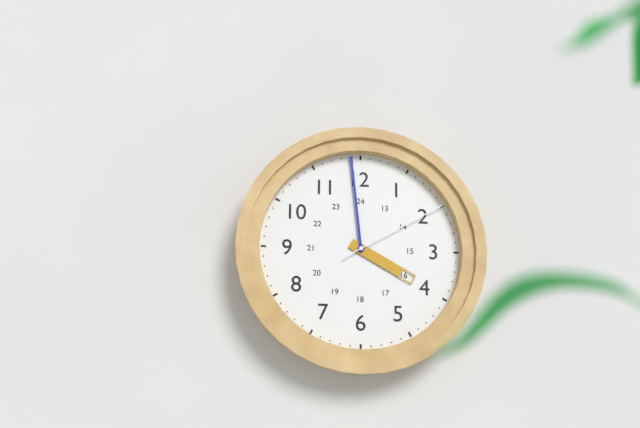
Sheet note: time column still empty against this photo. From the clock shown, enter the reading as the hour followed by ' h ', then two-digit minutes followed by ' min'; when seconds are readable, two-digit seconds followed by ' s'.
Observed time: 3 h 59 min 10 s
